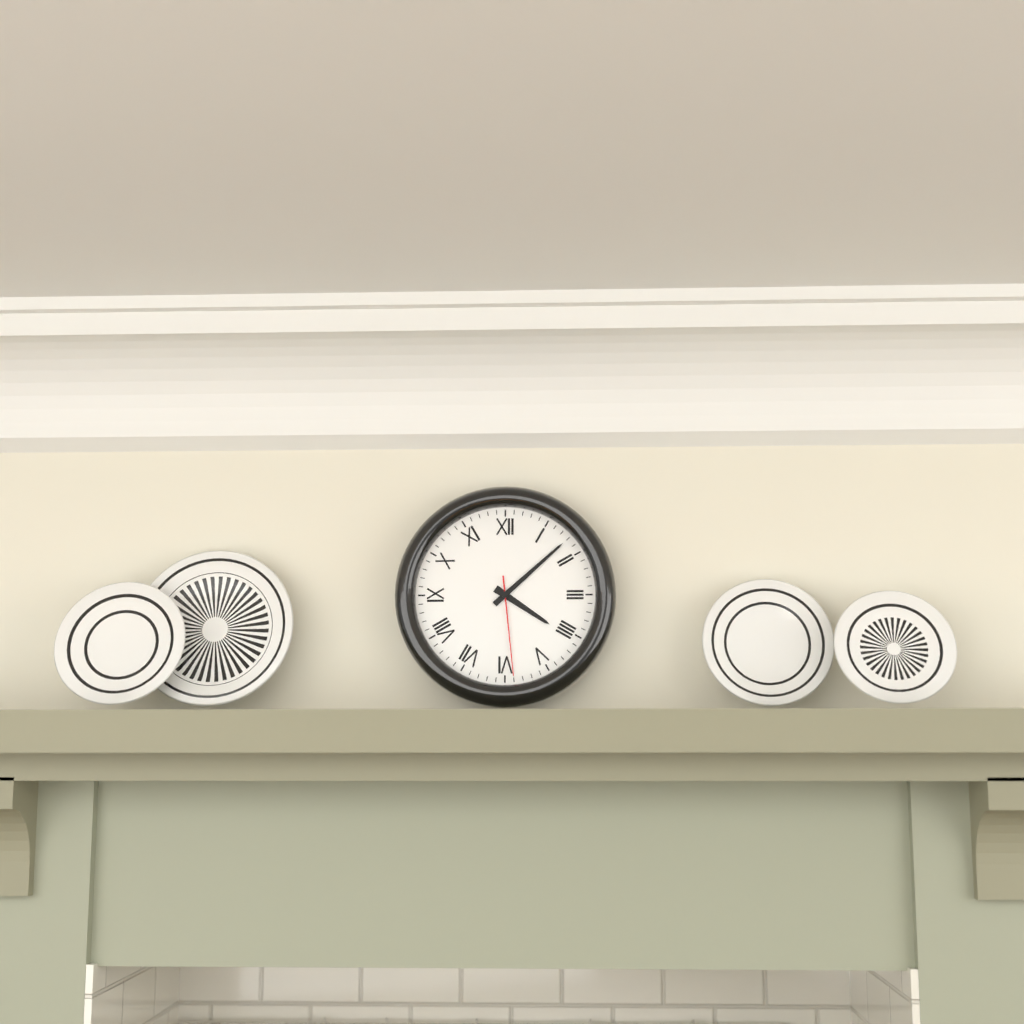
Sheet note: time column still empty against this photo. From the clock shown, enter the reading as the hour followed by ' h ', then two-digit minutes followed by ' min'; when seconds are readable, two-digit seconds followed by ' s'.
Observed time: 4 h 08 min 29 s
